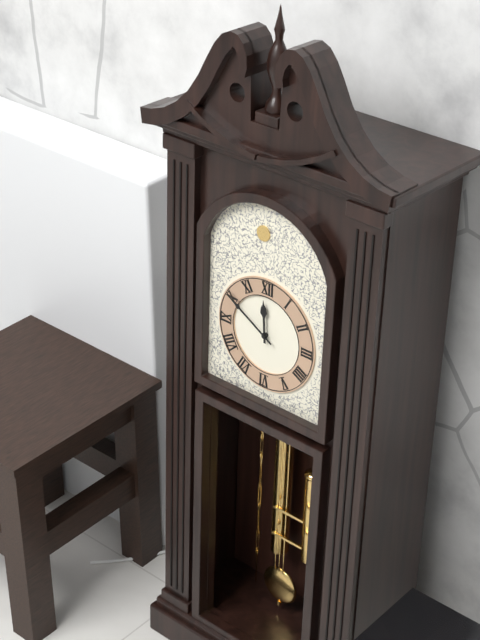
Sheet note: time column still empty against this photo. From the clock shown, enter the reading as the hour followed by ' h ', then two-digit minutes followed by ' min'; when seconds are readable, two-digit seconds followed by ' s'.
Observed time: 11 h 50 min
